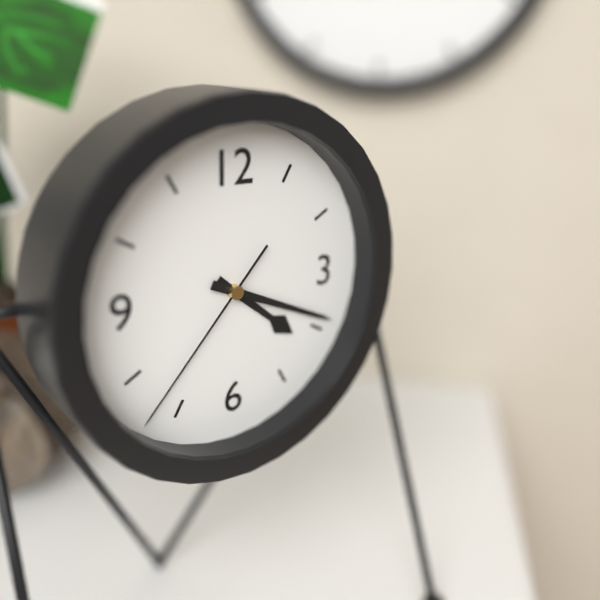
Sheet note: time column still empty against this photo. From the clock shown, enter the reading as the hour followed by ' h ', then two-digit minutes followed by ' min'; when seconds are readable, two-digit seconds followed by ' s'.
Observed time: 4 h 19 min 37 s
